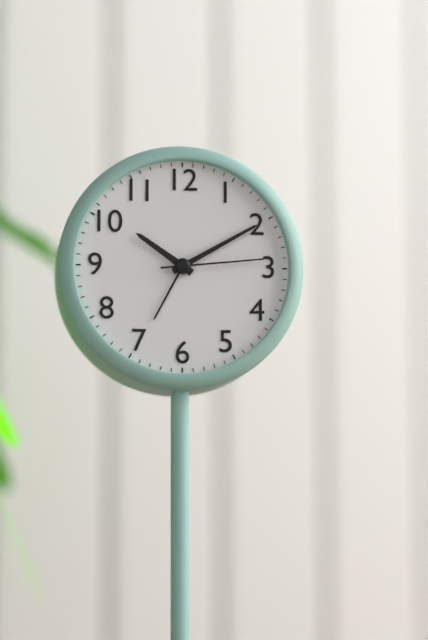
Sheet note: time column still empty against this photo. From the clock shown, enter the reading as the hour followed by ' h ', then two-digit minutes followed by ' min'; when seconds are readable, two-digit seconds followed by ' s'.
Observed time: 10 h 10 min 14 s
